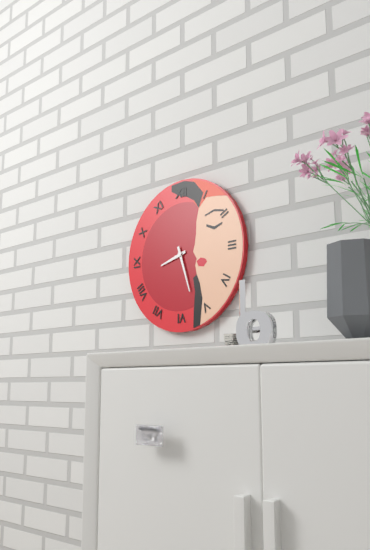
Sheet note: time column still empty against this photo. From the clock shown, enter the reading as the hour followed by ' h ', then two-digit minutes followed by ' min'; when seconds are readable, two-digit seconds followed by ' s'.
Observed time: 8 h 27 min
